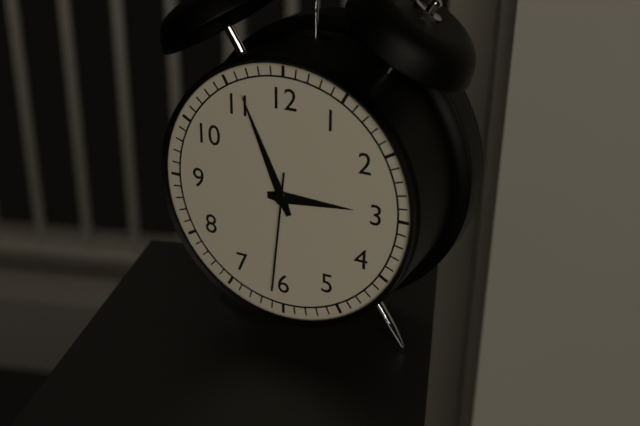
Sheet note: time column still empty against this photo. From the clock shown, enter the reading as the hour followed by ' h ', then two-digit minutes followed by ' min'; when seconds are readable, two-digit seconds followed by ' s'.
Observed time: 2 h 56 min 31 s
